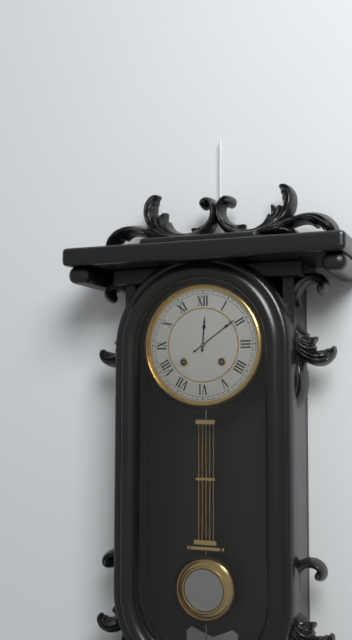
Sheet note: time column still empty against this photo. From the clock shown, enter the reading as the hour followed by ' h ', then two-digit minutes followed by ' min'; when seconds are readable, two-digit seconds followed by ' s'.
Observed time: 12 h 09 min
